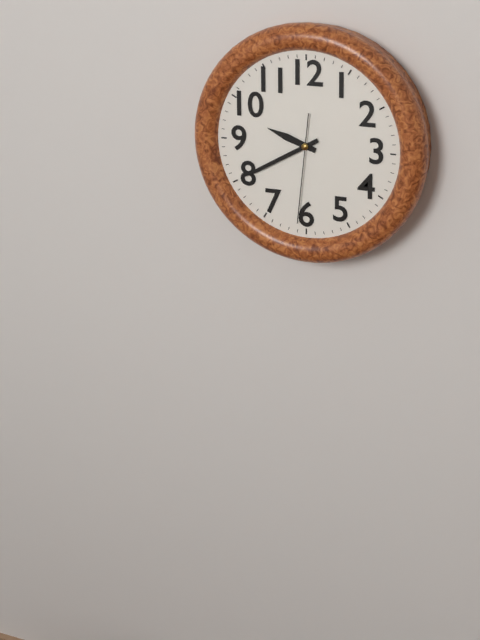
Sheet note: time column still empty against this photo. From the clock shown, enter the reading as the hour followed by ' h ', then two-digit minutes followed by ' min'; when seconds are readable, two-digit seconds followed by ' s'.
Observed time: 9 h 40 min 31 s
